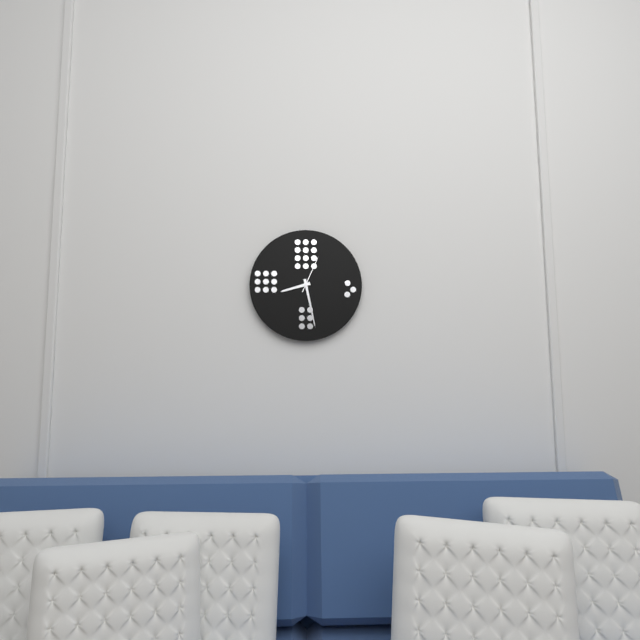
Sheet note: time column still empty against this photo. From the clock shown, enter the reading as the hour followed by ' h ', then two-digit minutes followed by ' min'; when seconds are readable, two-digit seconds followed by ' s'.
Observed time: 8 h 28 min
